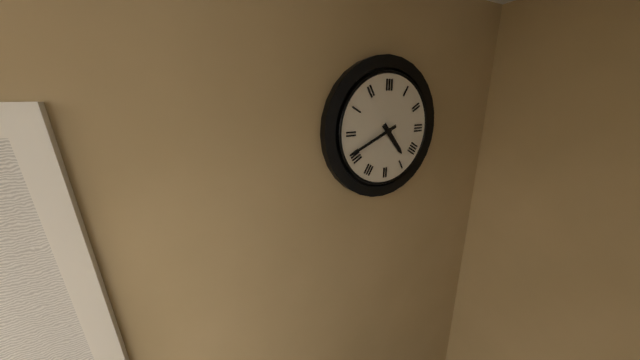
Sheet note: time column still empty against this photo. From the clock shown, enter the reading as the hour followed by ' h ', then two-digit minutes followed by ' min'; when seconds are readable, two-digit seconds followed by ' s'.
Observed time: 4 h 41 min
